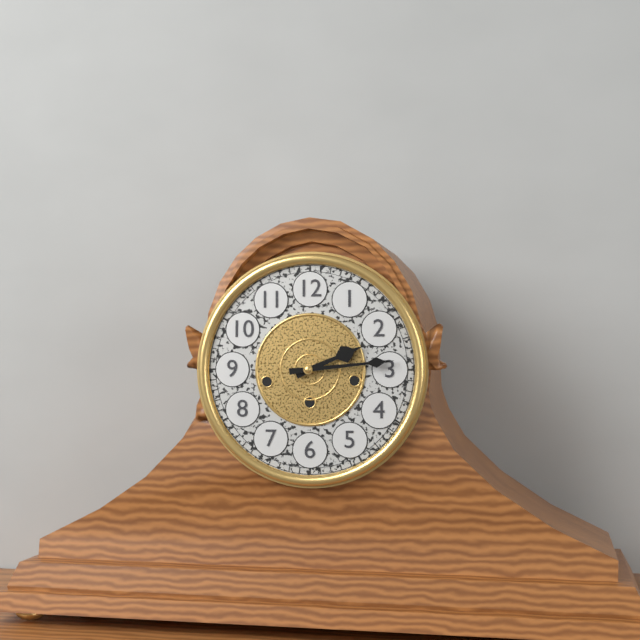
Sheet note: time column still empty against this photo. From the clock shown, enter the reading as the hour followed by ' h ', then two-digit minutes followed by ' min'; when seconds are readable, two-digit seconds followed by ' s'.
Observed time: 2 h 14 min
